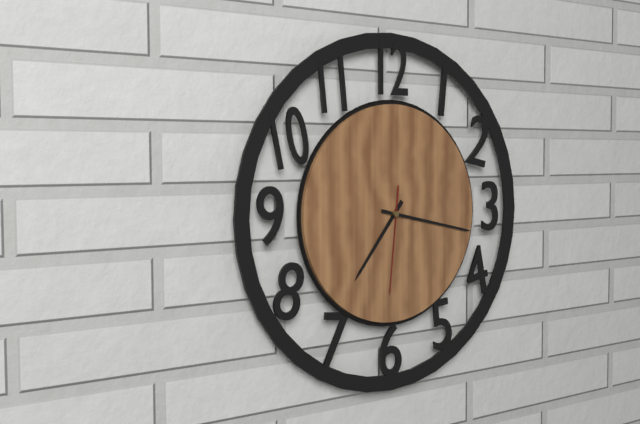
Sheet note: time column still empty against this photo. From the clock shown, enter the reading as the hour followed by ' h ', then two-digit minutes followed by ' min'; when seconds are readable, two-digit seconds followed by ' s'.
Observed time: 7 h 17 min 31 s
